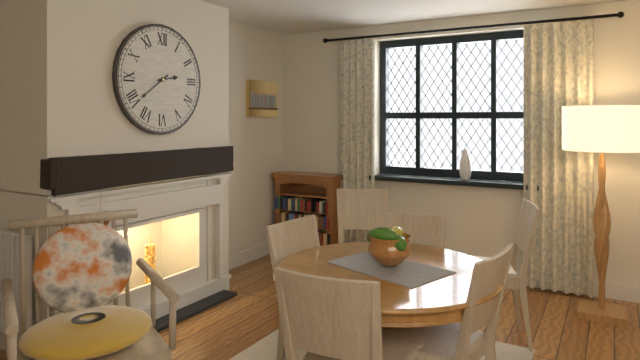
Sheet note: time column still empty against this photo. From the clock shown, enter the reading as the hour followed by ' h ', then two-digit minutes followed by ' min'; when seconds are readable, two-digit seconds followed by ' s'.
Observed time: 2 h 39 min
